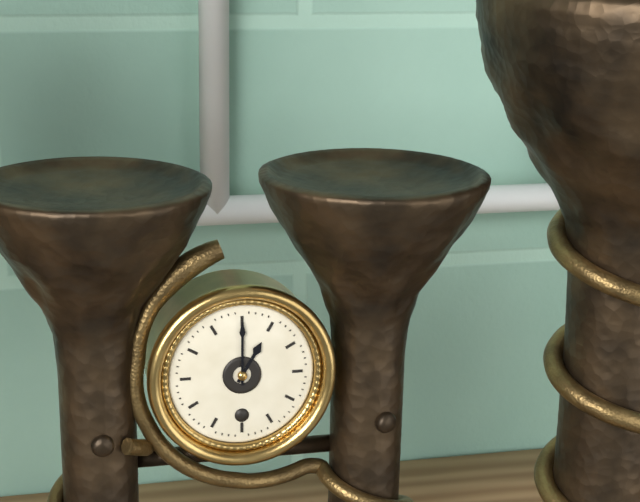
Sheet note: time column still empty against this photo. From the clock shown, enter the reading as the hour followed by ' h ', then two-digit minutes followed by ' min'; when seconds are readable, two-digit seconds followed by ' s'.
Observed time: 1 h 00 min
